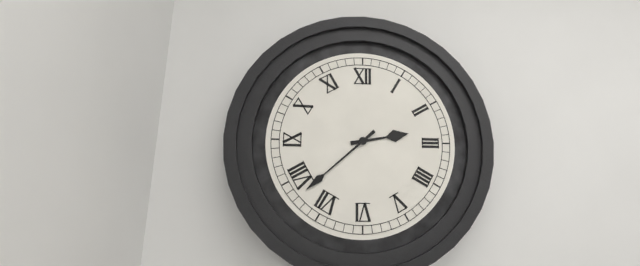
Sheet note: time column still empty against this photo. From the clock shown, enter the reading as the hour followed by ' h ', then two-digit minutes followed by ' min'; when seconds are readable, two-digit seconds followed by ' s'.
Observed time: 2 h 38 min
